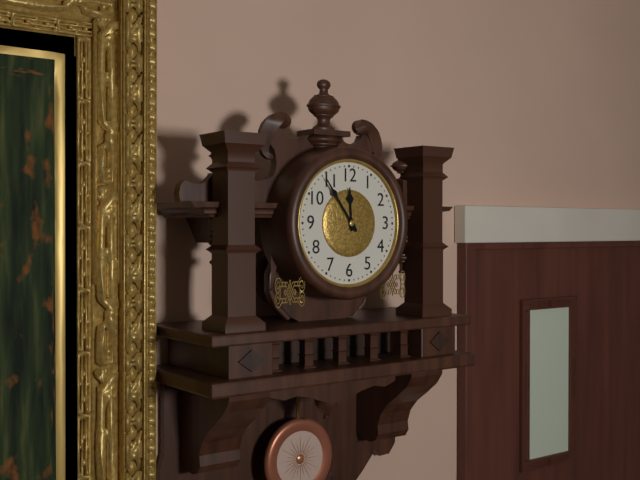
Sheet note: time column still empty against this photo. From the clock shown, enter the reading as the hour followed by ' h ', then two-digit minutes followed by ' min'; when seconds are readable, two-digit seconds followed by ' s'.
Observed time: 11 h 54 min
